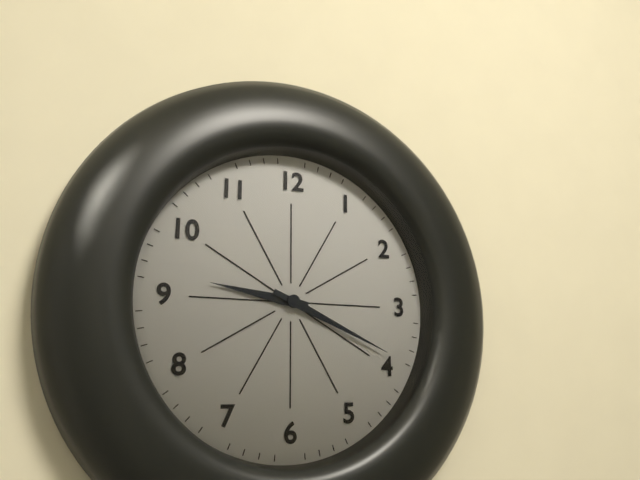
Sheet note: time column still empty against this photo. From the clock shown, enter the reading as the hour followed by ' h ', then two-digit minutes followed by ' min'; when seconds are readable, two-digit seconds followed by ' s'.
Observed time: 9 h 19 min
